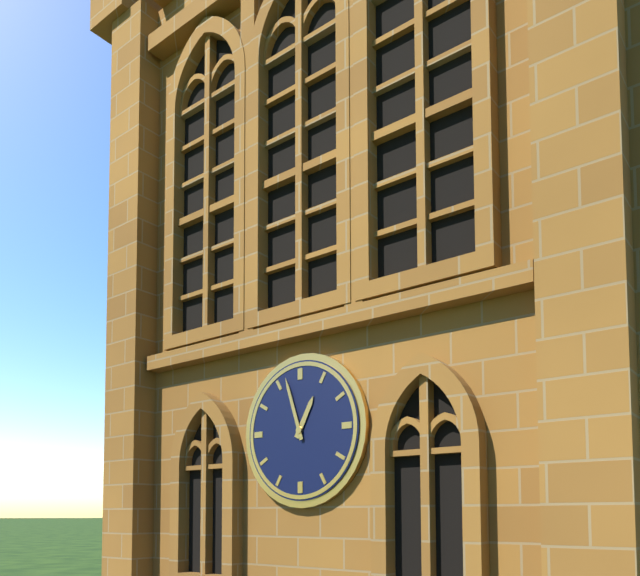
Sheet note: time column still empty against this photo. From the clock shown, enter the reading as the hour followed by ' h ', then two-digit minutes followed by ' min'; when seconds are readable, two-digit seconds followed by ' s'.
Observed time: 12 h 57 min
